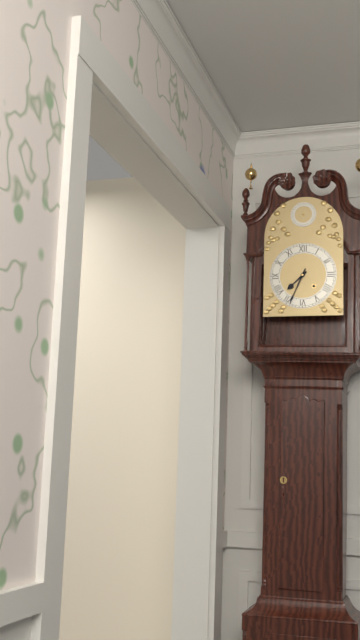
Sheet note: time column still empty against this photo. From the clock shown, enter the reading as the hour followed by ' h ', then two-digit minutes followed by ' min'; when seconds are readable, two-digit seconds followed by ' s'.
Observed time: 7 h 34 min
